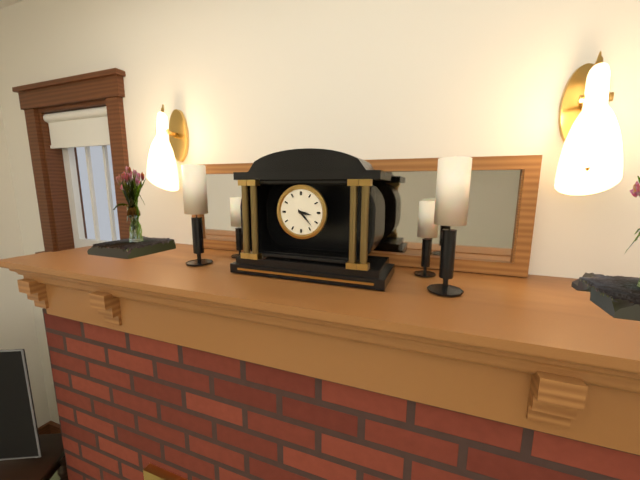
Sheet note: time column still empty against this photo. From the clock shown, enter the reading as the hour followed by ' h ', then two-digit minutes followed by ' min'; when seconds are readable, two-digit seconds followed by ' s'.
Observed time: 3 h 23 min
